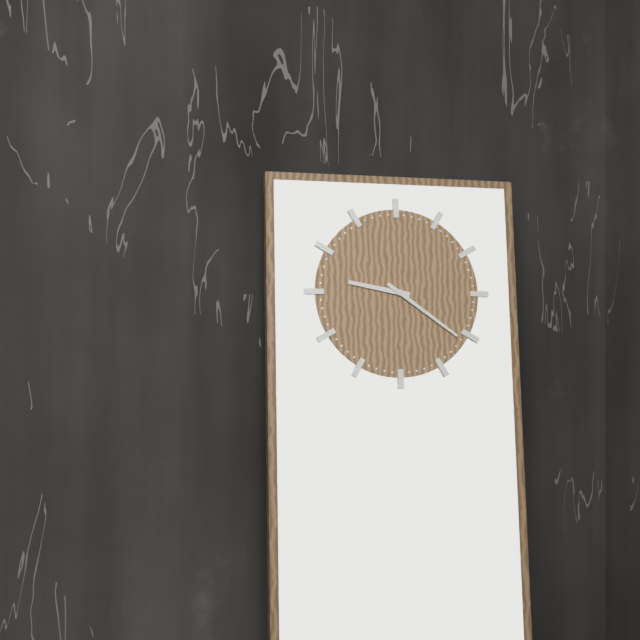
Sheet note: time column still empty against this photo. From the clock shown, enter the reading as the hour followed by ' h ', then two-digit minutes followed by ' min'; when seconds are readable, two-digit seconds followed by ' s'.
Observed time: 9 h 21 min
